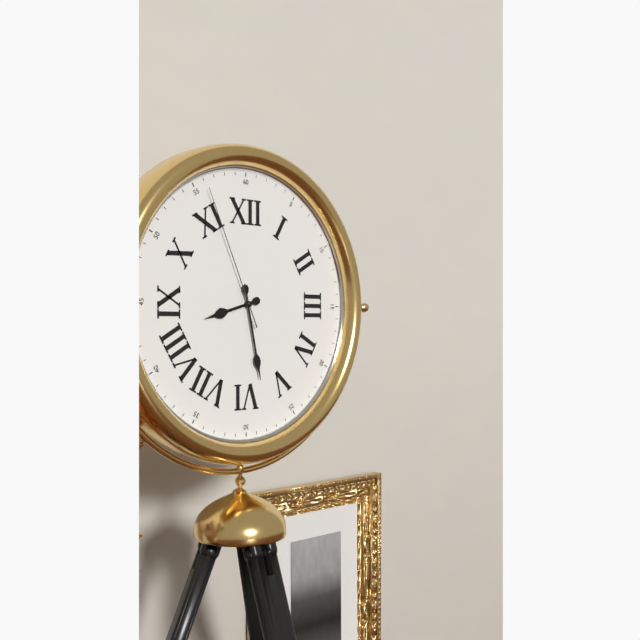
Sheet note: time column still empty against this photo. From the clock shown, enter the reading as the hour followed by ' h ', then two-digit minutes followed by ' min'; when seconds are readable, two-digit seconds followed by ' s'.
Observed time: 8 h 28 min 56 s
